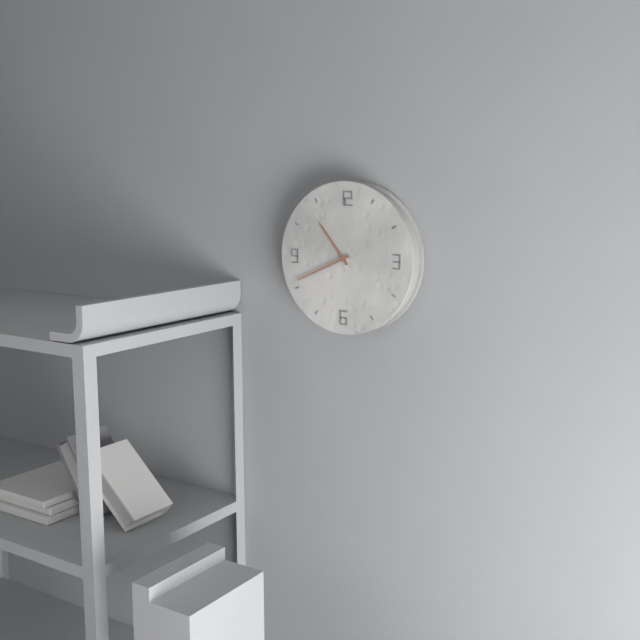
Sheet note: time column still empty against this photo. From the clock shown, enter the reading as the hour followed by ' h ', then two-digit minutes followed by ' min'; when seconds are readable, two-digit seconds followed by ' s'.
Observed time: 10 h 41 min
